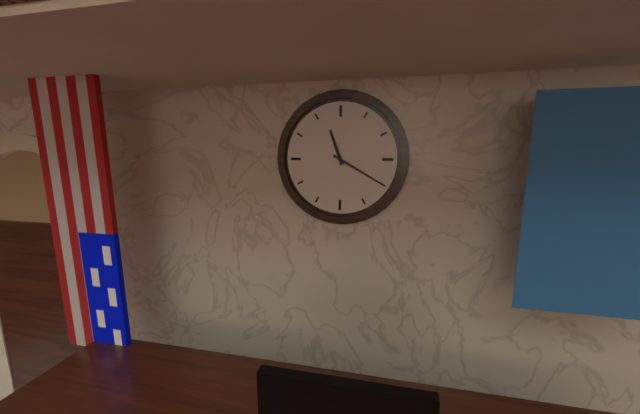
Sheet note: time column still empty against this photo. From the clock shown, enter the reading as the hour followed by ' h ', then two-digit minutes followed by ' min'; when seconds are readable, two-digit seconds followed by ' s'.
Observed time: 11 h 20 min
